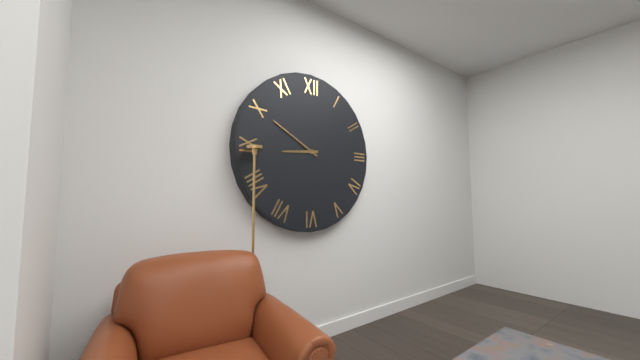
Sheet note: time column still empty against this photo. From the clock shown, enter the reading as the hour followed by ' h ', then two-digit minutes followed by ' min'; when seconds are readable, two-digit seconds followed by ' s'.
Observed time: 8 h 50 min
